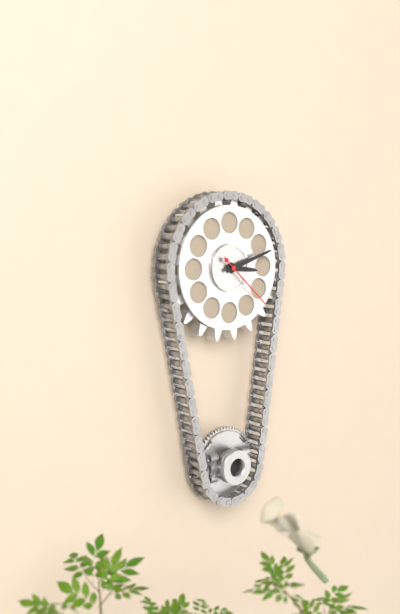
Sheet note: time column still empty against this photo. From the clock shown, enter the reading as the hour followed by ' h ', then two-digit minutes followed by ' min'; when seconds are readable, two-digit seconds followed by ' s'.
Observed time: 3 h 12 min 22 s
